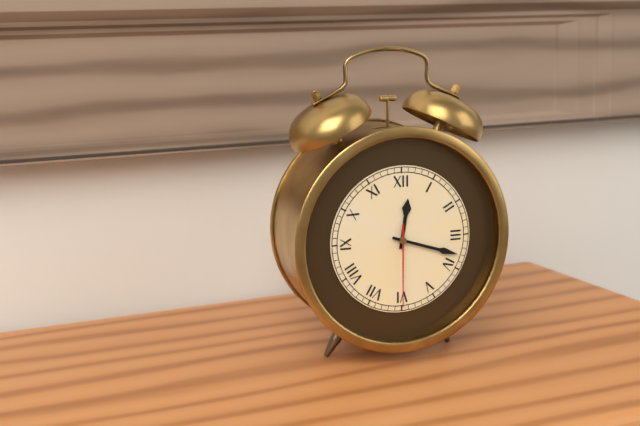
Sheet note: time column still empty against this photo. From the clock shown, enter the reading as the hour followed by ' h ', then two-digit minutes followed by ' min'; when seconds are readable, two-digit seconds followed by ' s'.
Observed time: 12 h 18 min 30 s
